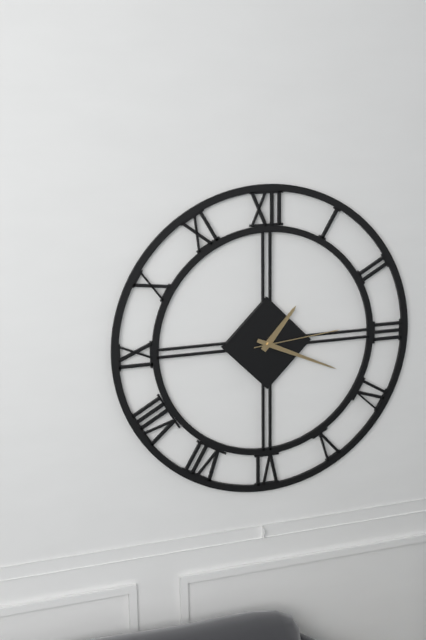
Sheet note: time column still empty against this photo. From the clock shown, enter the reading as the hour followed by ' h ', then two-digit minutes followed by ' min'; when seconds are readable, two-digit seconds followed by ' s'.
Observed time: 1 h 19 min 14 s
